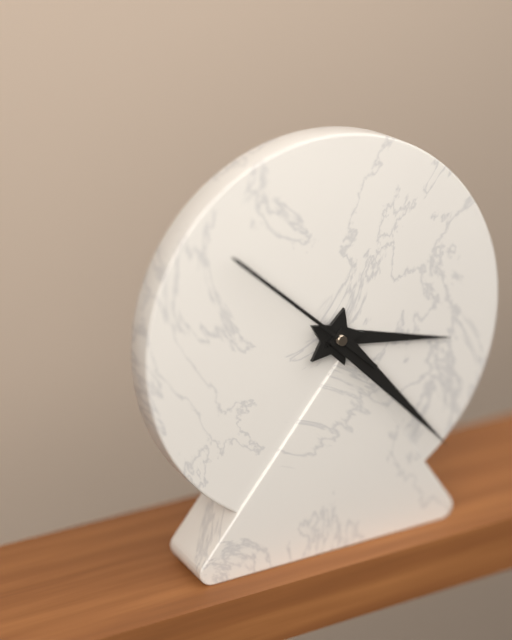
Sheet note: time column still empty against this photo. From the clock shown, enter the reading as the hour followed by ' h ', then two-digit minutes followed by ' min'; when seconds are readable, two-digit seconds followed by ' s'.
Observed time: 3 h 23 min 52 s
